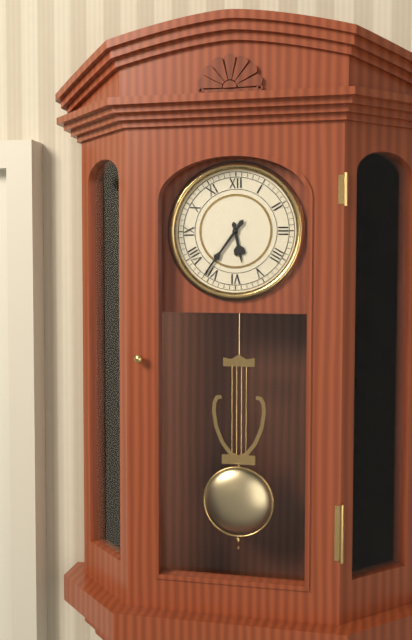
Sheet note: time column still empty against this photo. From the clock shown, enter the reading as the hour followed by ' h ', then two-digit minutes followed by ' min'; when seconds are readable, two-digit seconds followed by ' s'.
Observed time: 5 h 36 min
